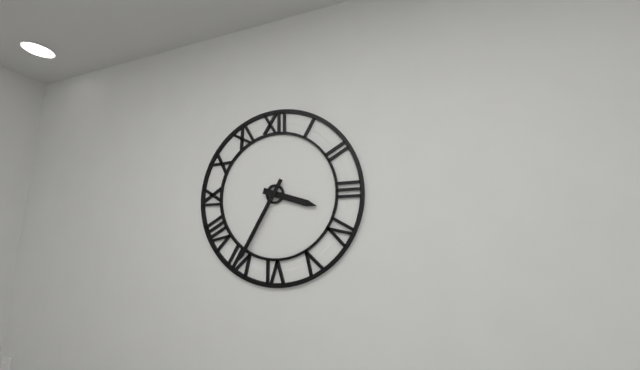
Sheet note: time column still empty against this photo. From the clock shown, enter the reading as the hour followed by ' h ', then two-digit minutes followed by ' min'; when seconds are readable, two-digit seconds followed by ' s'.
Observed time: 3 h 35 min
